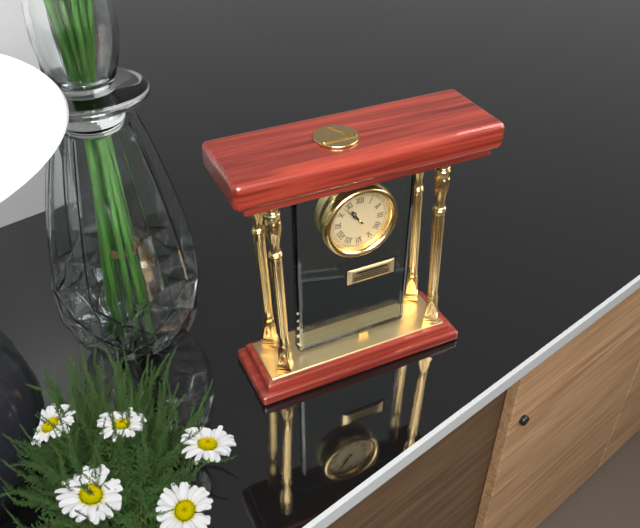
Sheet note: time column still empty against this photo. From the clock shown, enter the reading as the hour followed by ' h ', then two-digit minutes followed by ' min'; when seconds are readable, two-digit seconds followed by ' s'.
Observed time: 10 h 53 min
